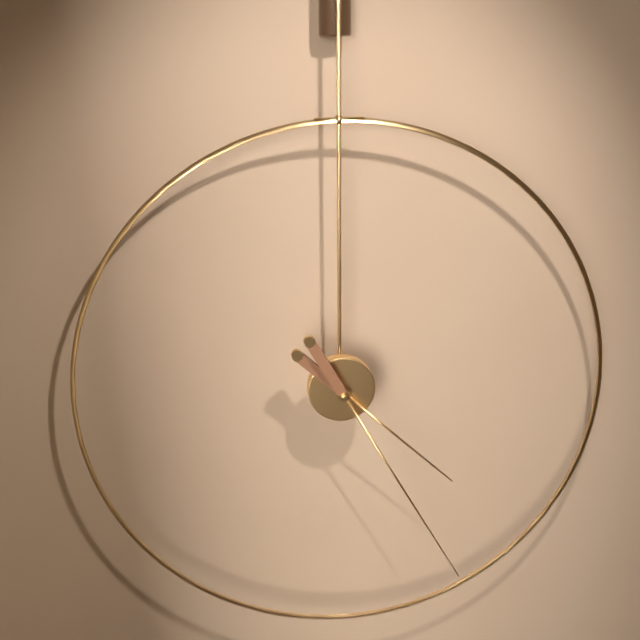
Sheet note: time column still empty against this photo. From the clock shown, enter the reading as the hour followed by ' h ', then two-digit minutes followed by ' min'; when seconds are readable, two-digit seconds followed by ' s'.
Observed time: 4 h 25 min
